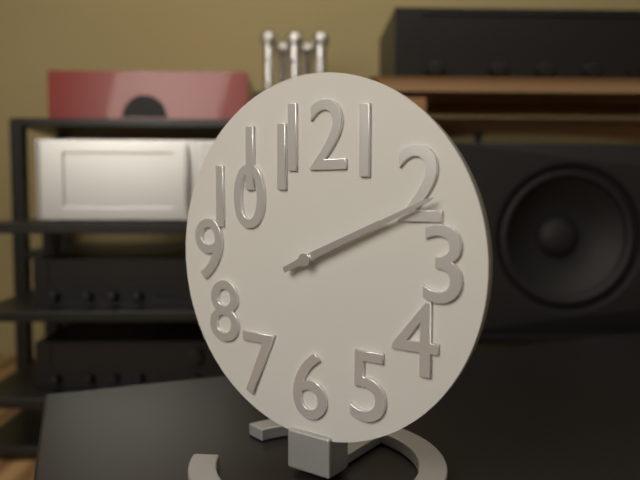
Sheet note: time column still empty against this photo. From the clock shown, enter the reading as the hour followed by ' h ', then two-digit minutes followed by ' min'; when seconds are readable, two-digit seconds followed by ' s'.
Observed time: 2 h 11 min
